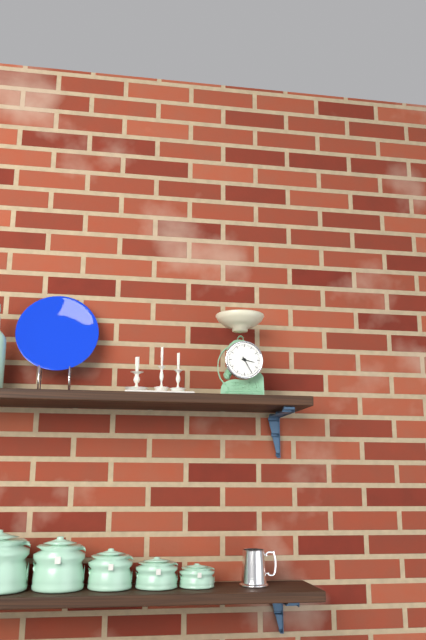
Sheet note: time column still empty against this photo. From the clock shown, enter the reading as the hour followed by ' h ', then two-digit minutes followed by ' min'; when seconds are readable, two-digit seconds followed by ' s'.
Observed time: 3 h 25 min
